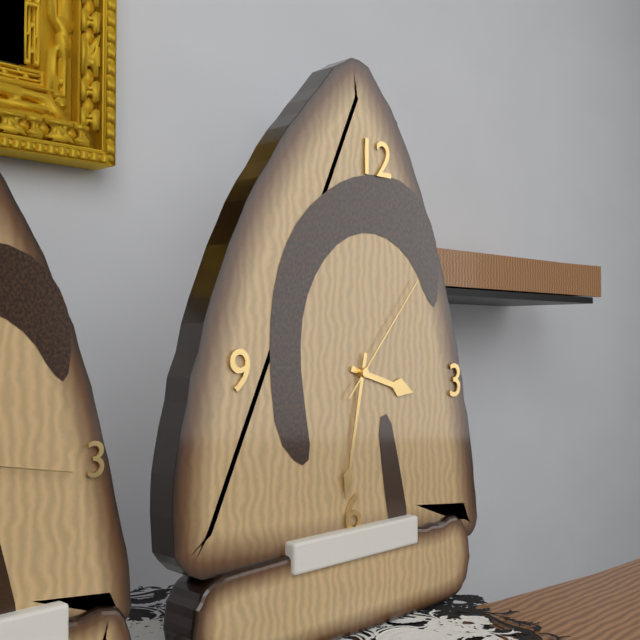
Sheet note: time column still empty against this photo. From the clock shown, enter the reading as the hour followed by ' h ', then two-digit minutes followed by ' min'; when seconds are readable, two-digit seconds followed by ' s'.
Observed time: 3 h 32 min 07 s
